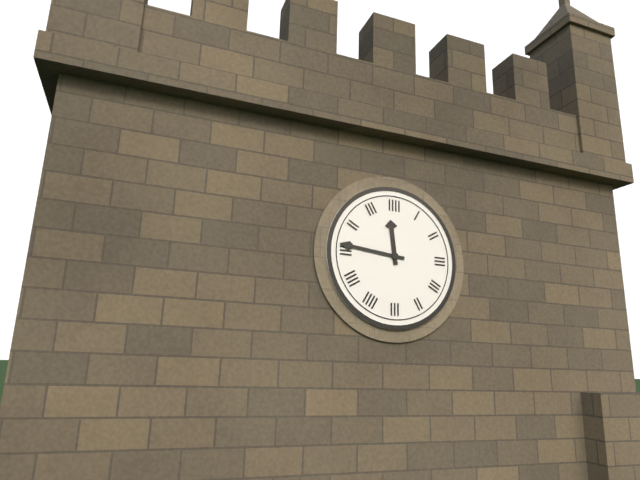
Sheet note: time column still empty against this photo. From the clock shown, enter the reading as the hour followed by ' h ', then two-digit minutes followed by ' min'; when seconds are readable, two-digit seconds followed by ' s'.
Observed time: 11 h 46 min
